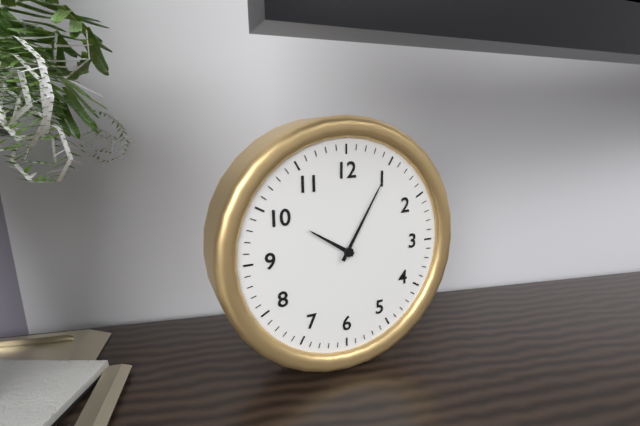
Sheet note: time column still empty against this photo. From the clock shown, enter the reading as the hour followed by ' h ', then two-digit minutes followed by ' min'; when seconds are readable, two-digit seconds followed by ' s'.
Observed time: 10 h 05 min
